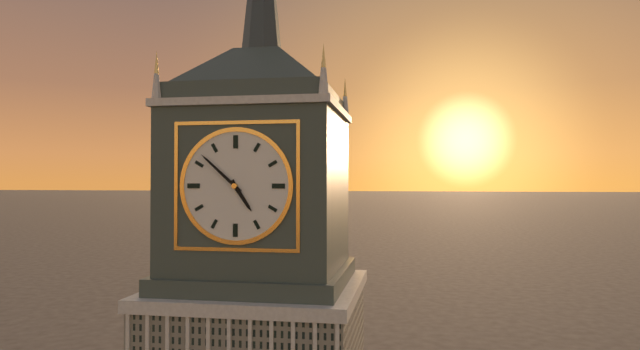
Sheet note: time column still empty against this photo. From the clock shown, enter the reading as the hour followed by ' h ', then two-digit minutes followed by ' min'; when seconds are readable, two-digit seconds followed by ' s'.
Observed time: 4 h 52 min
